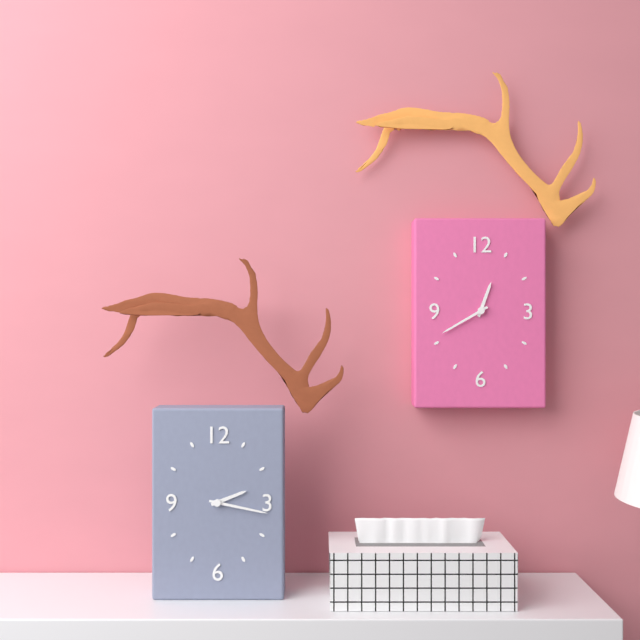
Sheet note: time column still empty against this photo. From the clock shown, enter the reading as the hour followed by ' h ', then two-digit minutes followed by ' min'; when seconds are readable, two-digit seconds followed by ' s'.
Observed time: 2 h 17 min
